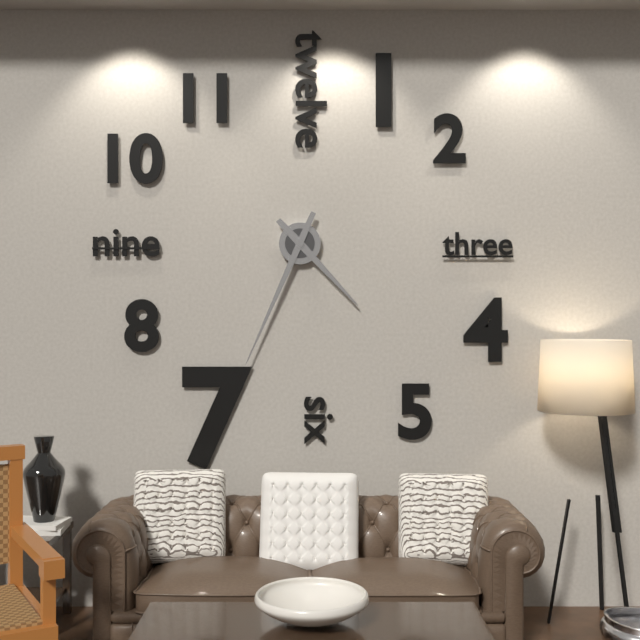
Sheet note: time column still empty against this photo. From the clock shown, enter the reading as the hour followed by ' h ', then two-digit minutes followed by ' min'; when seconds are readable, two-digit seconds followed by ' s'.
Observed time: 4 h 34 min
